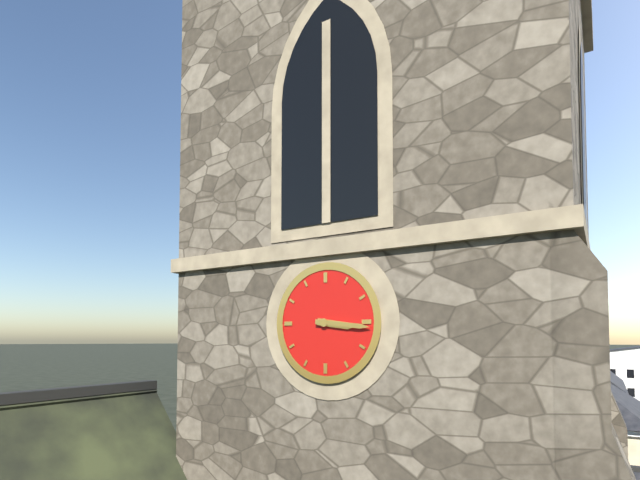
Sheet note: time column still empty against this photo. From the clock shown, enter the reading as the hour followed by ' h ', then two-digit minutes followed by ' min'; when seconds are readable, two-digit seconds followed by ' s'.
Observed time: 3 h 16 min
